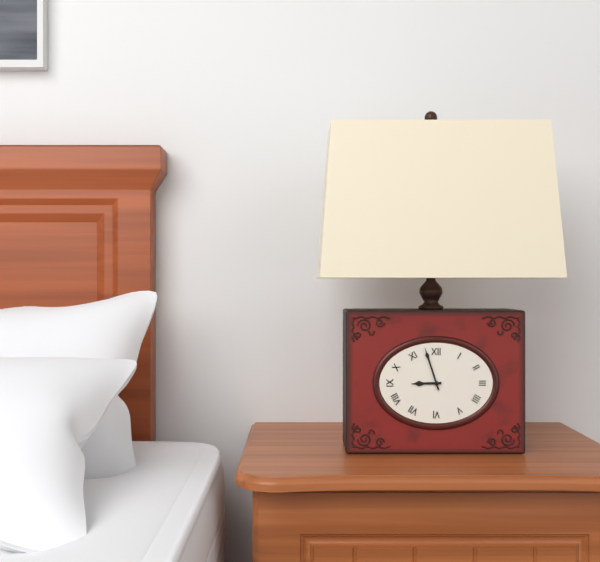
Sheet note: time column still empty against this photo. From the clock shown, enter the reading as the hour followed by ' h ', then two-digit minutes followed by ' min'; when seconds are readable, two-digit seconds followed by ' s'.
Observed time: 8 h 57 min
